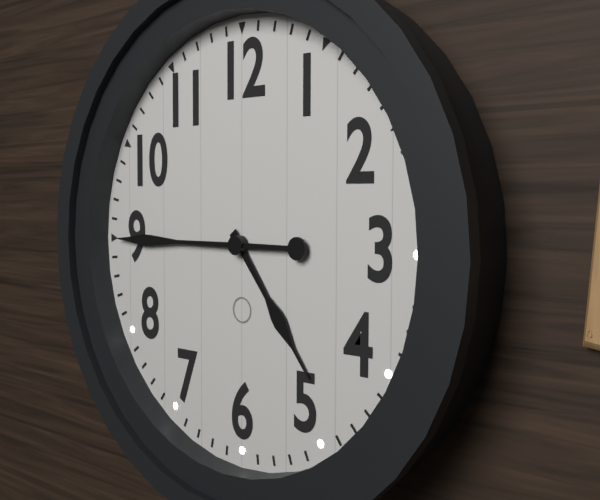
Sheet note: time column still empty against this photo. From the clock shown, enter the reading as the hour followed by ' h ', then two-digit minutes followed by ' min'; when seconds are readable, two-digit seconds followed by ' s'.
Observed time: 4 h 45 min
